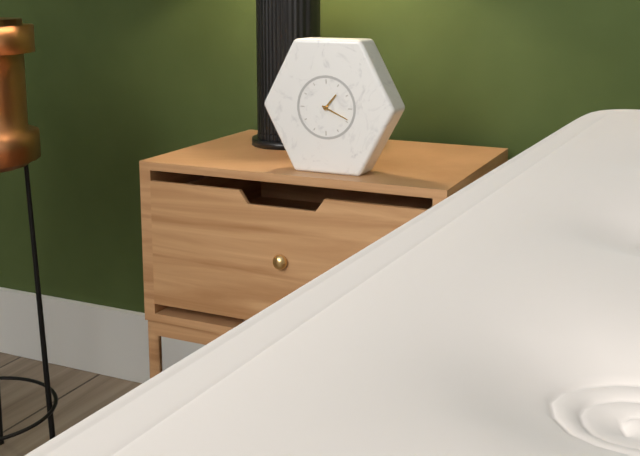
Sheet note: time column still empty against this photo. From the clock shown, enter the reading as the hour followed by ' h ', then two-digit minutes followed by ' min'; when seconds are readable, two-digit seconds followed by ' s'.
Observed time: 1 h 19 min
